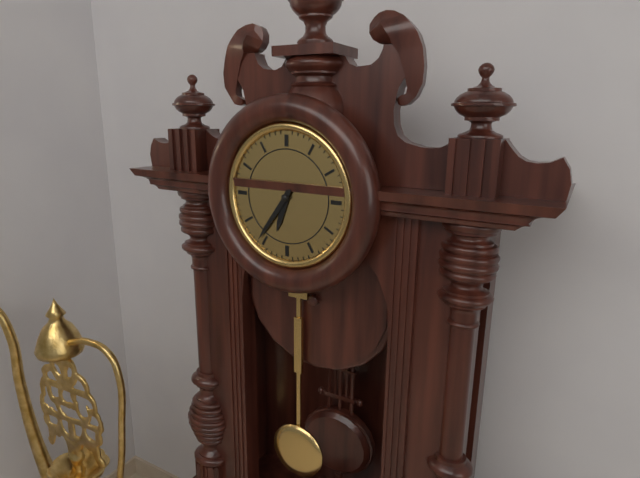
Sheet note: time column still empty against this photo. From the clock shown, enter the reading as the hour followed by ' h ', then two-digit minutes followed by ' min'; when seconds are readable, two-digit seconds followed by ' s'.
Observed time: 6 h 36 min
